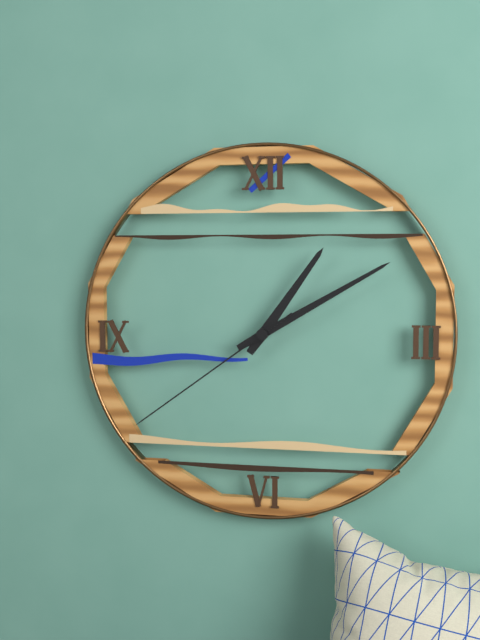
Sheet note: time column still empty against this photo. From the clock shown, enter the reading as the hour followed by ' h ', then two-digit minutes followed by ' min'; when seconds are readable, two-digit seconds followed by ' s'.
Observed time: 1 h 10 min 39 s
